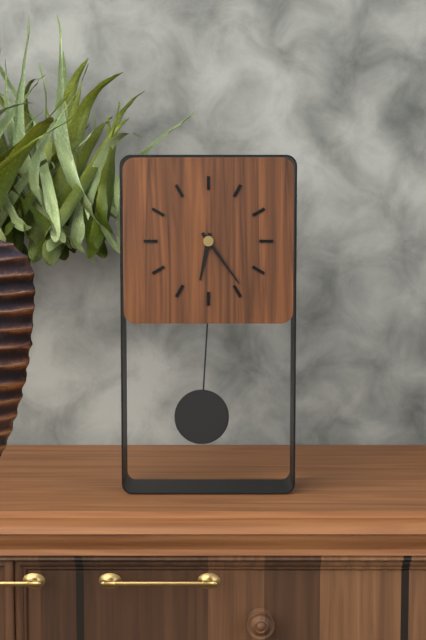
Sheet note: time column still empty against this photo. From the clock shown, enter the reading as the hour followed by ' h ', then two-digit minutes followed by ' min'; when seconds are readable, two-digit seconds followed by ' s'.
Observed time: 6 h 24 min
